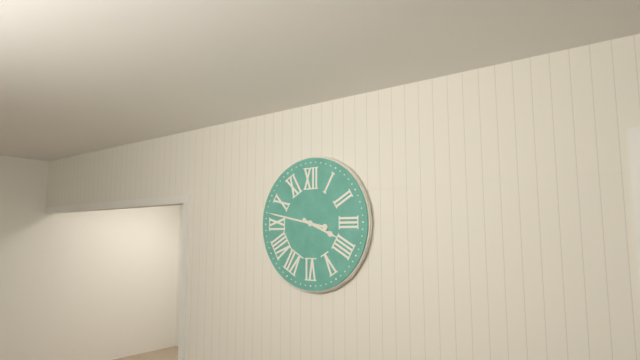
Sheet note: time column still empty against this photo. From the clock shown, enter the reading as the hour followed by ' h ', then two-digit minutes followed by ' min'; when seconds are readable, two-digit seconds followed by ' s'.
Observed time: 3 h 47 min
